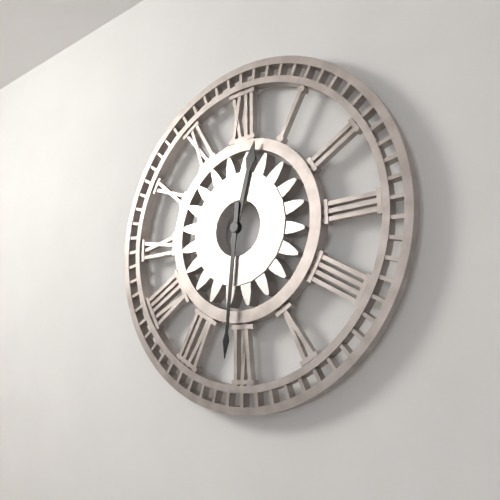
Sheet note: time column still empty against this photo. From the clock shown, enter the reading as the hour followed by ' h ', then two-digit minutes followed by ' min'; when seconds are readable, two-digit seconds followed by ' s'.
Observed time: 12 h 31 min
